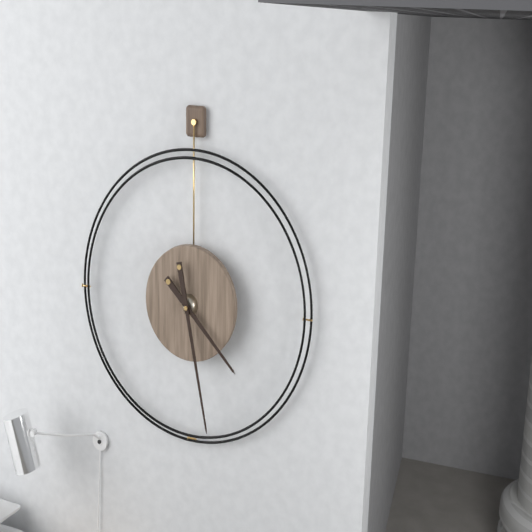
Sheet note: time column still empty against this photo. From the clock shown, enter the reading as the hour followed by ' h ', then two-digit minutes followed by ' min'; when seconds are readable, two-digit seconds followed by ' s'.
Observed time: 4 h 28 min
